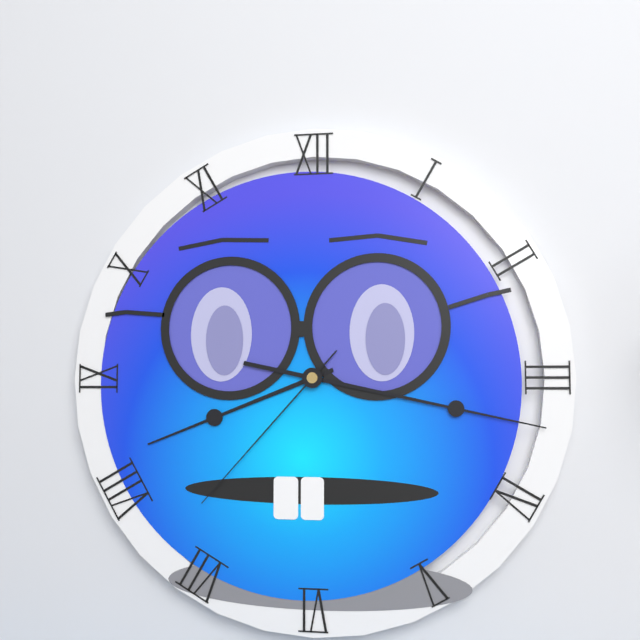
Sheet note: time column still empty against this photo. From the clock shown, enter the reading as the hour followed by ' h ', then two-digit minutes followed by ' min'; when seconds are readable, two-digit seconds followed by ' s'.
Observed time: 8 h 17 min 37 s
